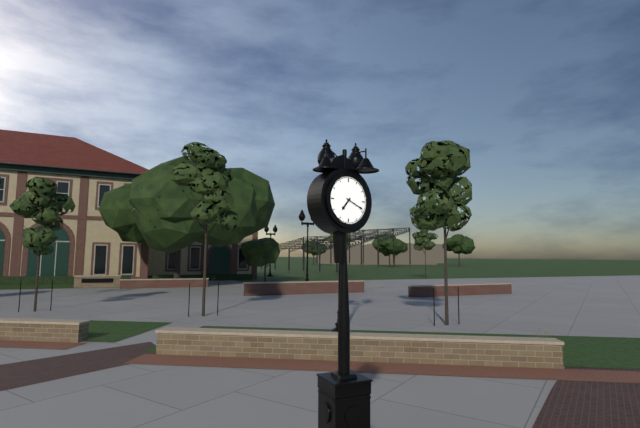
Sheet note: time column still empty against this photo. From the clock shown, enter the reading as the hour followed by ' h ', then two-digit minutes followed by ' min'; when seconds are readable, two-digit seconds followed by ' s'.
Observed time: 7 h 19 min
